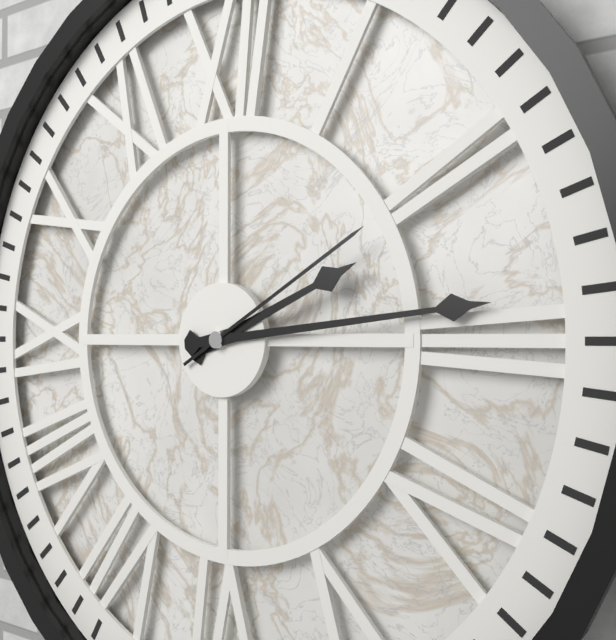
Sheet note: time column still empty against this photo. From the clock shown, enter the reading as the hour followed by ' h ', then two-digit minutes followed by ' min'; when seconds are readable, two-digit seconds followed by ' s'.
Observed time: 2 h 14 min 10 s
